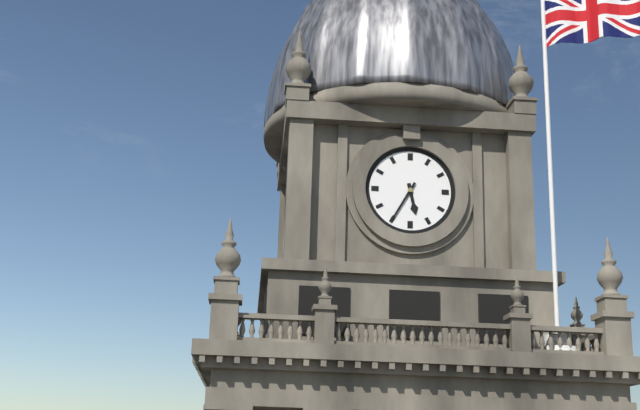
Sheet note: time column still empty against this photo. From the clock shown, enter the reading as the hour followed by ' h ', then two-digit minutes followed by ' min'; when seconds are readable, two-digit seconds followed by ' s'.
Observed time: 5 h 35 min
